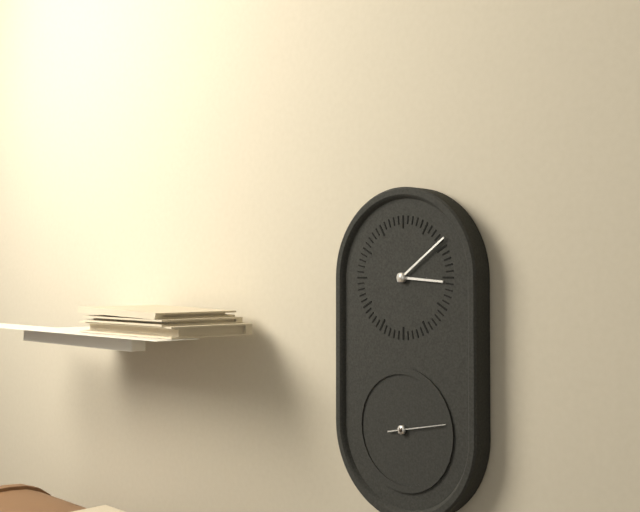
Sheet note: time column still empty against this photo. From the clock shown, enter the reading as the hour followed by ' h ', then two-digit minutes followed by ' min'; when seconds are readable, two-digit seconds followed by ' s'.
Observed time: 3 h 09 min 13 s
